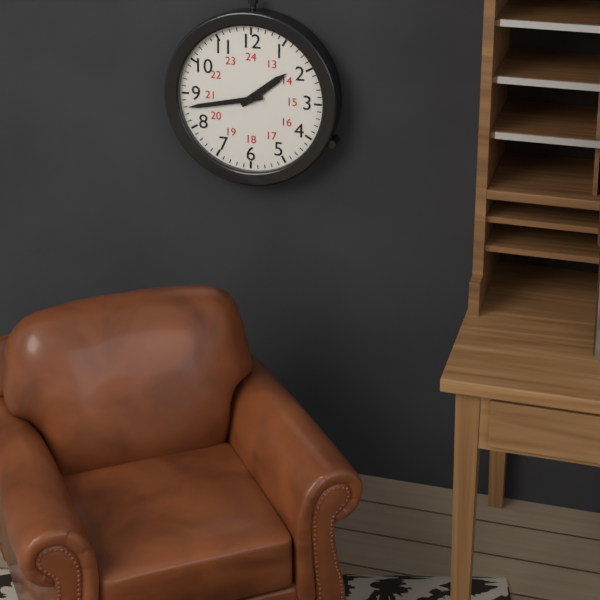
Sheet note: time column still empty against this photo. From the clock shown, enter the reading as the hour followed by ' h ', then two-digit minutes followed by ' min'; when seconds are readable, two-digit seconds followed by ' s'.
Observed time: 1 h 43 min
